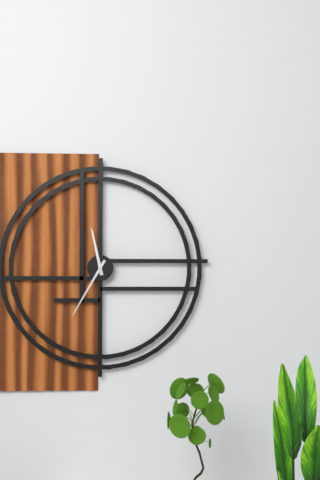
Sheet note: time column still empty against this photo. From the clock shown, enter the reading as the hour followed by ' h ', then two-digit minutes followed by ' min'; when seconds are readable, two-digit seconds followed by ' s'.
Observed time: 11 h 35 min
